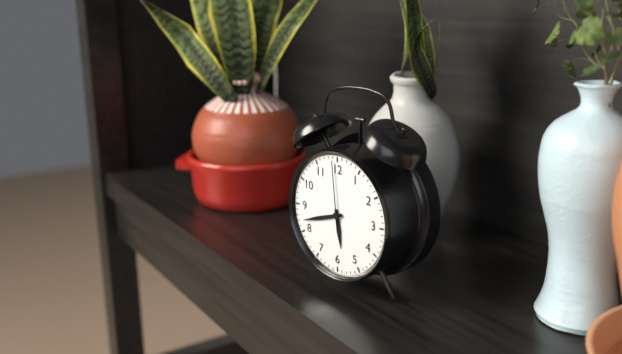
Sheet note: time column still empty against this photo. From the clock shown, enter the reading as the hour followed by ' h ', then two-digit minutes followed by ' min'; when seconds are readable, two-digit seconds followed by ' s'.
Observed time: 5 h 42 min 59 s
